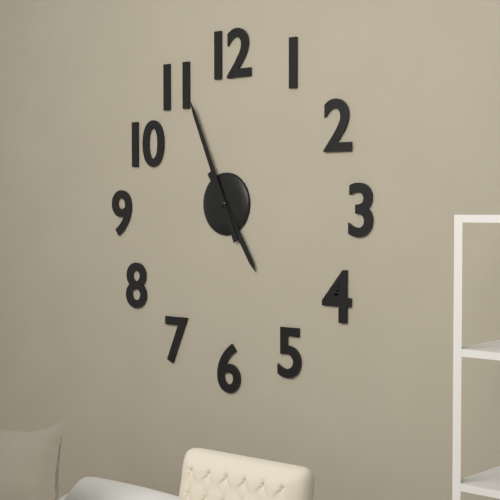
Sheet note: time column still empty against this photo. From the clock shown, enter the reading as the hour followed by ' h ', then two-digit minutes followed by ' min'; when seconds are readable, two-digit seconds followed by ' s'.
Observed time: 4 h 56 min
